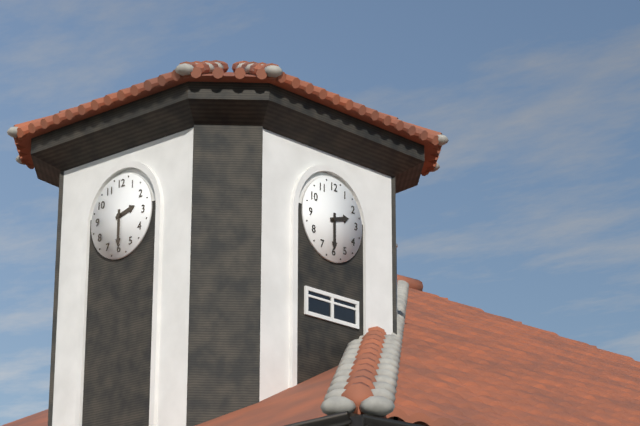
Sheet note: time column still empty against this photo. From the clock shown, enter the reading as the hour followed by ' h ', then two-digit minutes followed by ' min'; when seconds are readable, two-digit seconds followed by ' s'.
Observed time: 2 h 30 min
